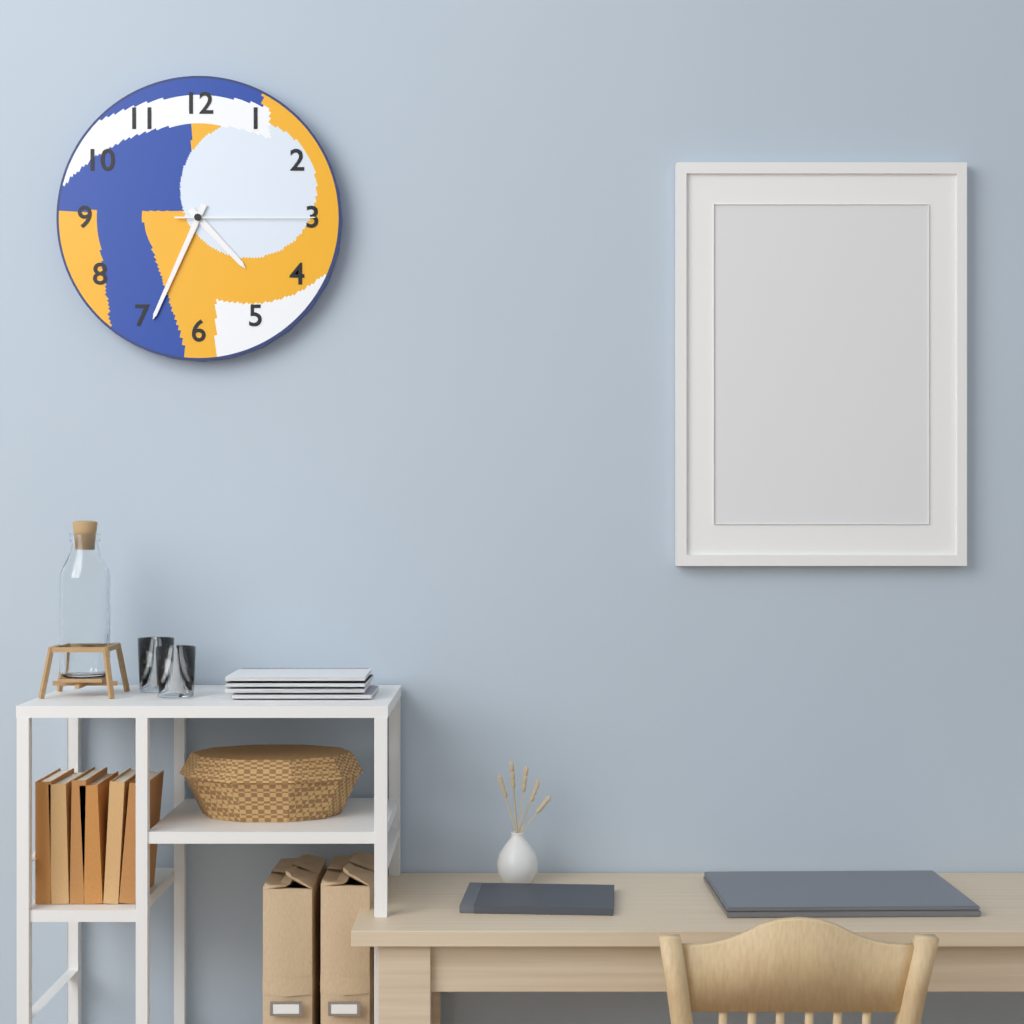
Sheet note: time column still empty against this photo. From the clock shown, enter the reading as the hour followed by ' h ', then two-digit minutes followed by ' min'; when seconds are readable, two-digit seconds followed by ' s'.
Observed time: 4 h 34 min 15 s
